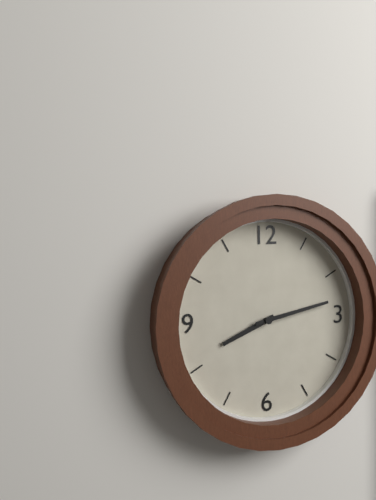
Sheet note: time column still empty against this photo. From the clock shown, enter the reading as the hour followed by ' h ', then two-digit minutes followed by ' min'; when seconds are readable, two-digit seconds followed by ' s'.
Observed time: 8 h 13 min
